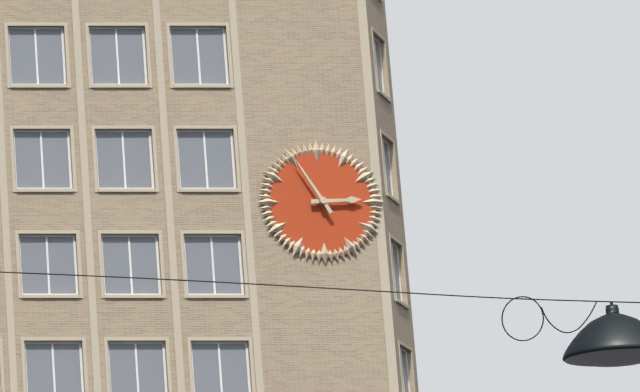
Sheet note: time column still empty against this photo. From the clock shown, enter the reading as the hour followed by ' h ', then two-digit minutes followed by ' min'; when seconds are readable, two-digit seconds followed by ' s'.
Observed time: 2 h 55 min
